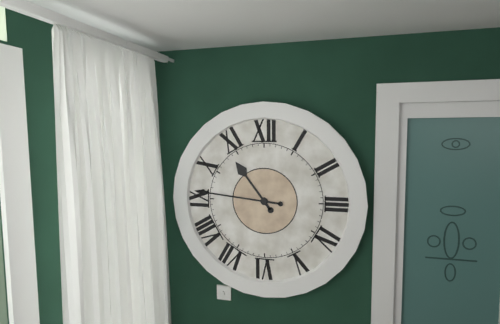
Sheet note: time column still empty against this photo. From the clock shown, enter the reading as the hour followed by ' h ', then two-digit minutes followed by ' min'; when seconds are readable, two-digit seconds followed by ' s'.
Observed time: 10 h 46 min
